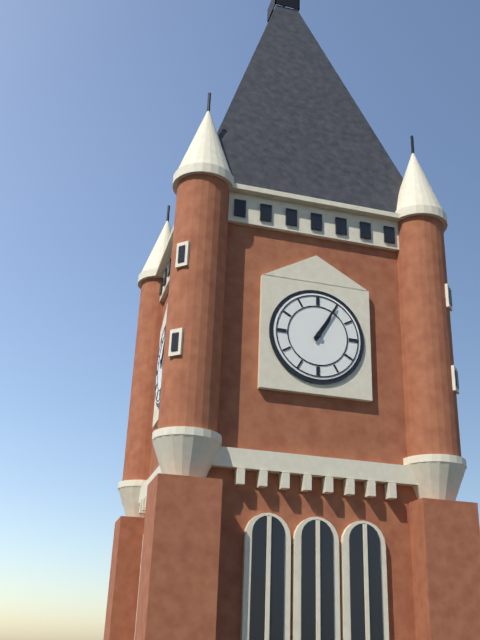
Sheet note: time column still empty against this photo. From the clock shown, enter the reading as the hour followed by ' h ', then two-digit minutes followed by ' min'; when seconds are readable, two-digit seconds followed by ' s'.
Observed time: 1 h 05 min
